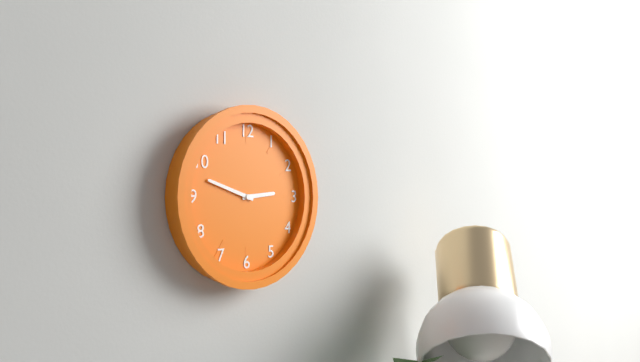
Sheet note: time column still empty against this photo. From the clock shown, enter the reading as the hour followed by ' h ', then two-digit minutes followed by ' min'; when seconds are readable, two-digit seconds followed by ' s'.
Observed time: 2 h 48 min
